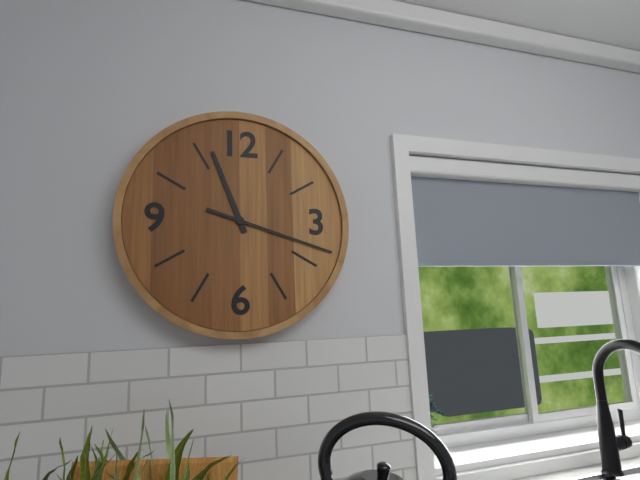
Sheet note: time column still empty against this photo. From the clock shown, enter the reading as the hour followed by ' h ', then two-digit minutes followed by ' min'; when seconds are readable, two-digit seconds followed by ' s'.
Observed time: 11 h 18 min
